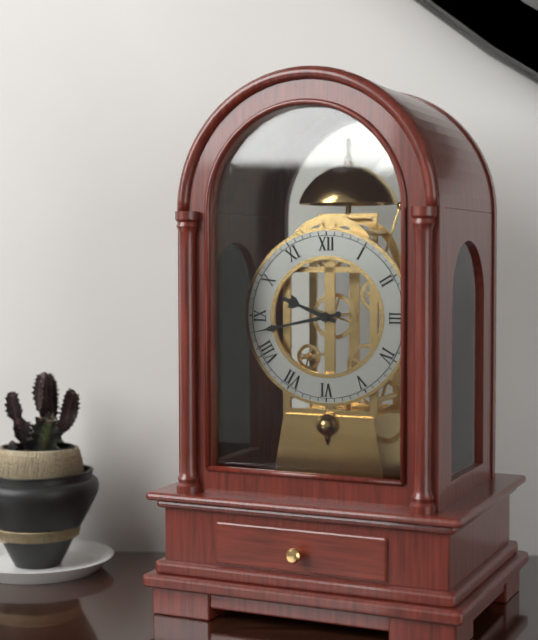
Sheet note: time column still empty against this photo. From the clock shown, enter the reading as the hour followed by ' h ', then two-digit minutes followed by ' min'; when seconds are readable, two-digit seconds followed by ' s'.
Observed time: 9 h 43 min
